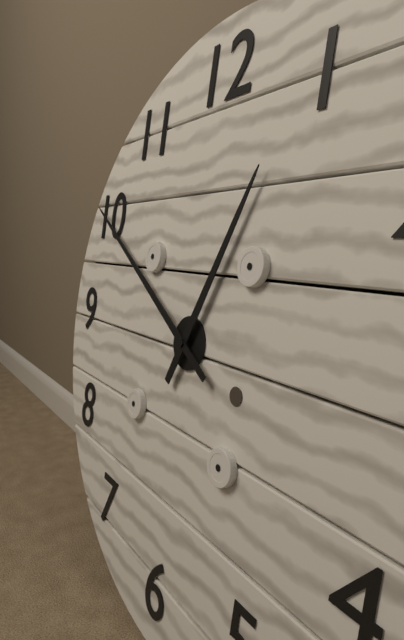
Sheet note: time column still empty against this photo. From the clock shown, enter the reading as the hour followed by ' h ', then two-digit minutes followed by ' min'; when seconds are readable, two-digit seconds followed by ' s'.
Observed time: 12 h 50 min
